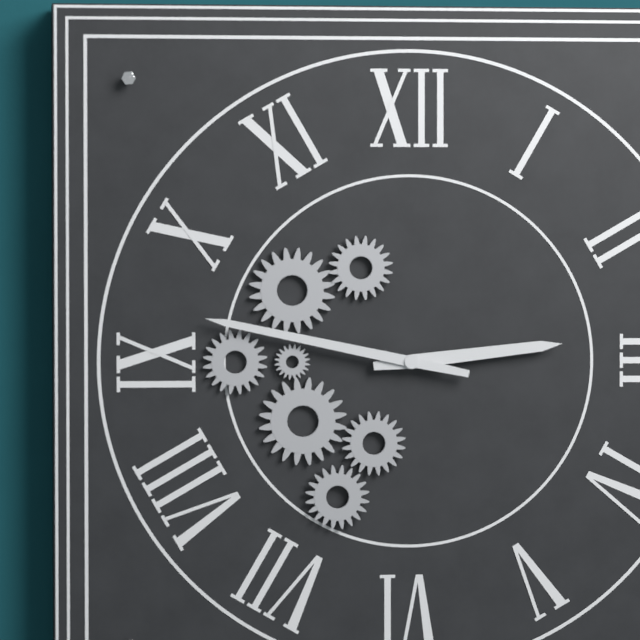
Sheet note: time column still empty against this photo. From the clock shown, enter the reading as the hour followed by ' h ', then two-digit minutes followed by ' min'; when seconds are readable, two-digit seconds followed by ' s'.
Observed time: 2 h 47 min
